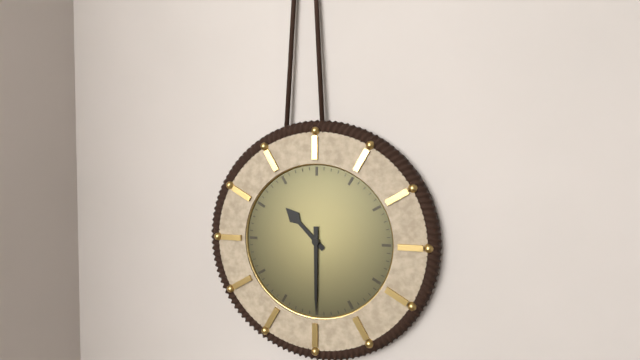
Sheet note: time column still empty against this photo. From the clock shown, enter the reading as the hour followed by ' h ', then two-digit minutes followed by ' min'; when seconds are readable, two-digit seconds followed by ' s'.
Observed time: 10 h 30 min
